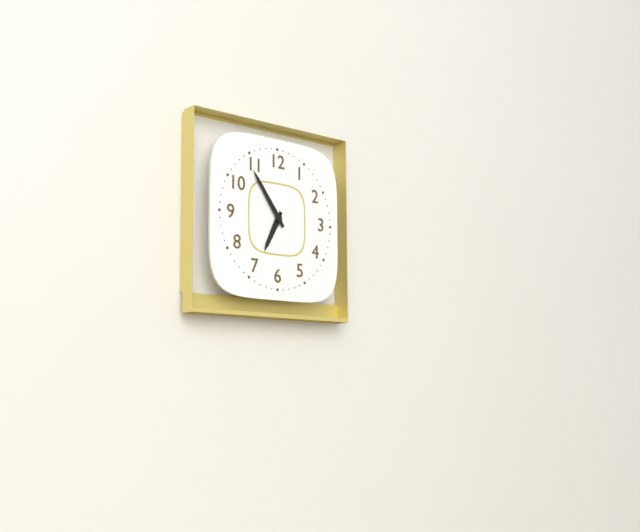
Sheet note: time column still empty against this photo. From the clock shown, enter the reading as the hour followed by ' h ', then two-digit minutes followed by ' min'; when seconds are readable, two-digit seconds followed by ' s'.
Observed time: 6 h 54 min
